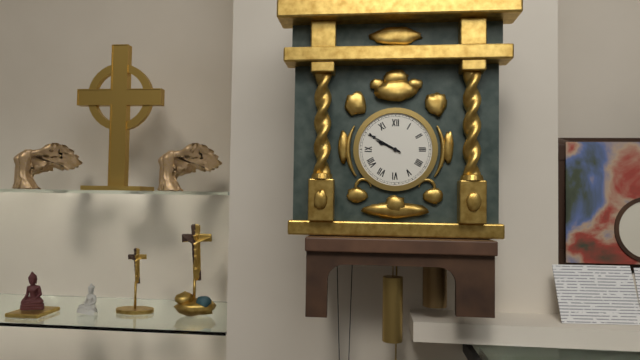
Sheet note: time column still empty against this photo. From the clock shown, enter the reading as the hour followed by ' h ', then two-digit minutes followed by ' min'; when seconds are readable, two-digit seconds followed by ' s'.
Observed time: 9 h 50 min
